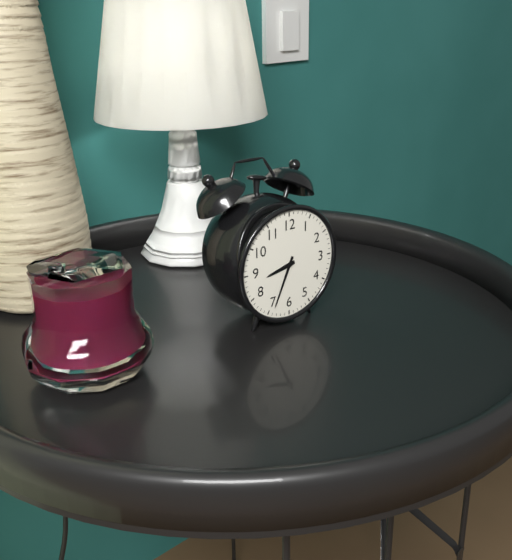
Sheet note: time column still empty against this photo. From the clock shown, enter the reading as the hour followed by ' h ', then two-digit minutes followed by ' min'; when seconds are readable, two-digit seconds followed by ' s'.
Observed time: 8 h 34 min
